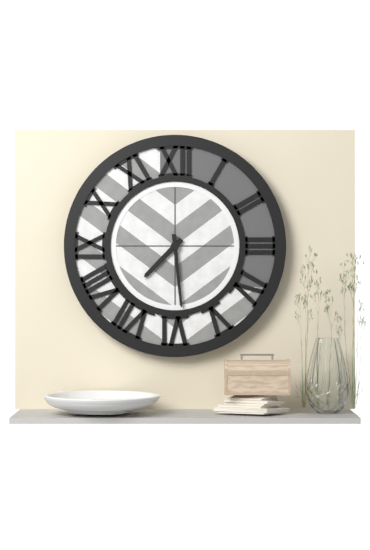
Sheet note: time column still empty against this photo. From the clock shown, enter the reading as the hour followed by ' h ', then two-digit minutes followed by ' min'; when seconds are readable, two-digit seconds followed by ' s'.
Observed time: 7 h 29 min
